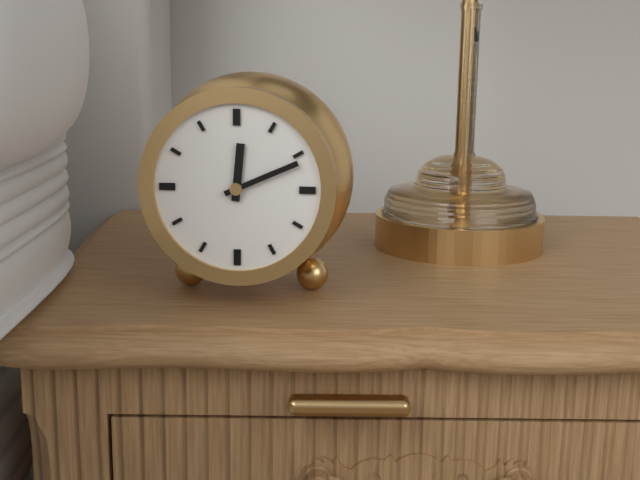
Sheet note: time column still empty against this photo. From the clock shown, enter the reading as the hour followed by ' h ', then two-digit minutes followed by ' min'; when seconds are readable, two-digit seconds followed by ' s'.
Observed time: 12 h 11 min
